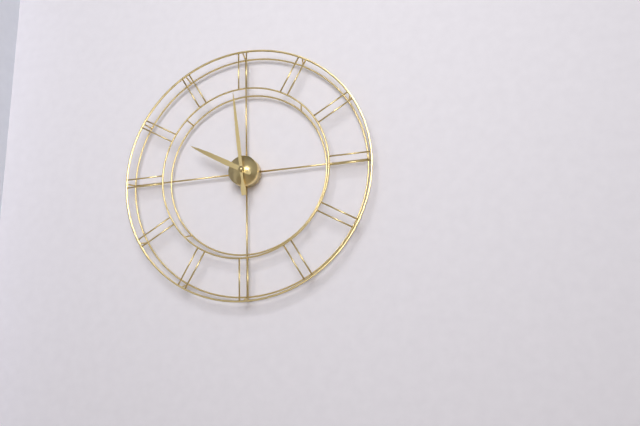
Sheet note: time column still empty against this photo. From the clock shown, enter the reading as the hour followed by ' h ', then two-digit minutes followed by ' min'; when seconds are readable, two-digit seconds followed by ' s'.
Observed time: 9 h 59 min
